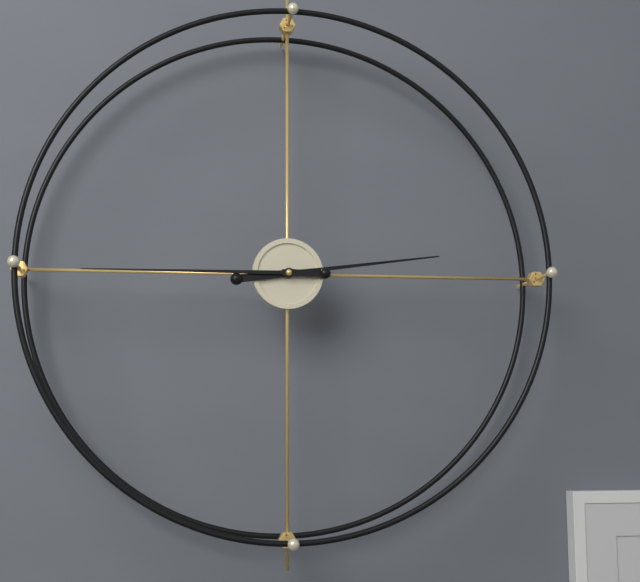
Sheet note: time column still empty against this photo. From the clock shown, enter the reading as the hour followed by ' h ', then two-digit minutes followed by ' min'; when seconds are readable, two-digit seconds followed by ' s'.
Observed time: 2 h 45 min
